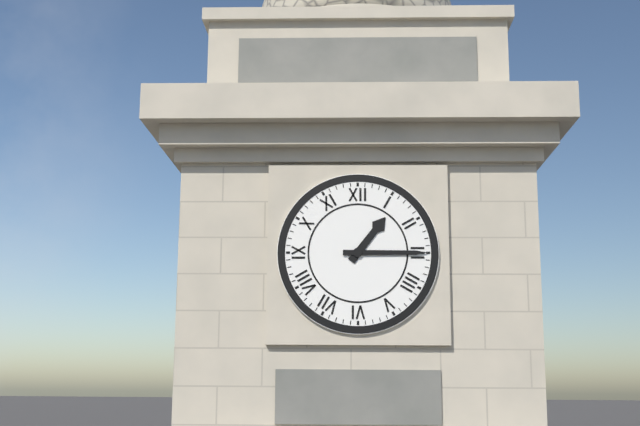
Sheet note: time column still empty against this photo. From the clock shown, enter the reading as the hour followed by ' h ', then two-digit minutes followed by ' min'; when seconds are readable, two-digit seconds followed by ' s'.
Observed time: 1 h 15 min
